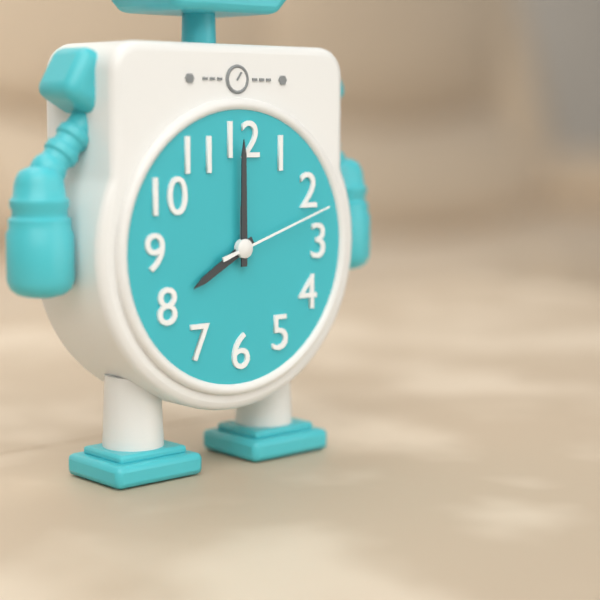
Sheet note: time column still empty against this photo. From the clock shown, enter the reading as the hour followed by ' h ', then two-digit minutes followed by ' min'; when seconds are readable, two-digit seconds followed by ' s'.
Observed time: 8 h 00 min 12 s
